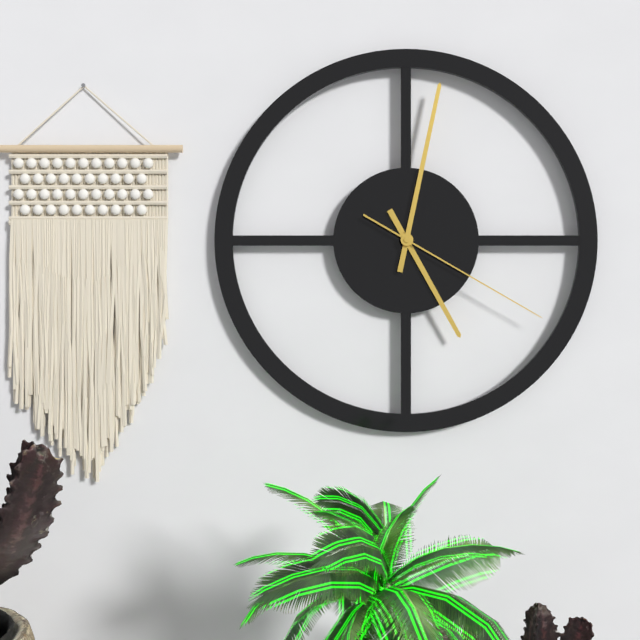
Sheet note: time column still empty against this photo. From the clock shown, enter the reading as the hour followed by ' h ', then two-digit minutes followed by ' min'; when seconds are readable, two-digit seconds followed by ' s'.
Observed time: 5 h 02 min 20 s
